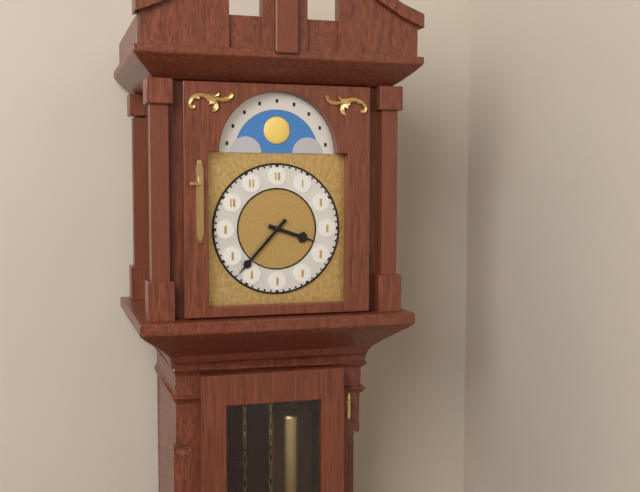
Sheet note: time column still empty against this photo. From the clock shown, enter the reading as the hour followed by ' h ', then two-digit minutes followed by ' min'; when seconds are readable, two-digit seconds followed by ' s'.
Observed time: 3 h 37 min
